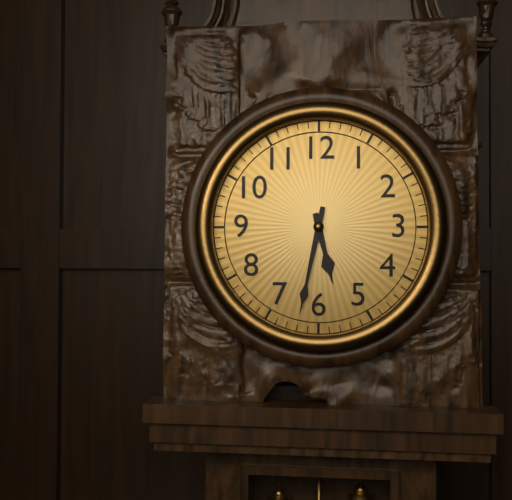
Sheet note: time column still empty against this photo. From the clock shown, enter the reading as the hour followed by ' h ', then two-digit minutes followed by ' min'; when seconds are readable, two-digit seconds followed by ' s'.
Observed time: 5 h 32 min
